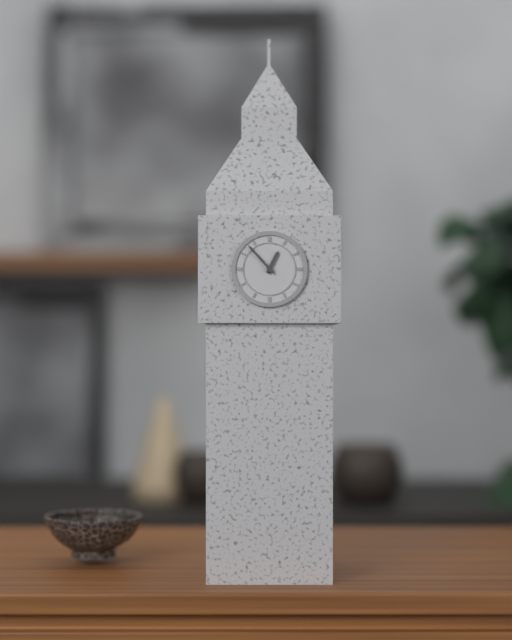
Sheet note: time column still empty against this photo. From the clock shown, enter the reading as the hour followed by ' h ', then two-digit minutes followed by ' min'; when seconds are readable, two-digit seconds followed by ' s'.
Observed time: 12 h 53 min
